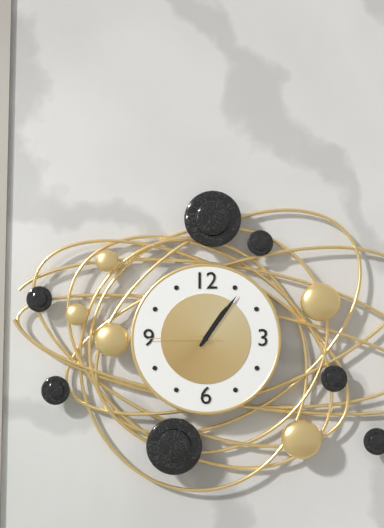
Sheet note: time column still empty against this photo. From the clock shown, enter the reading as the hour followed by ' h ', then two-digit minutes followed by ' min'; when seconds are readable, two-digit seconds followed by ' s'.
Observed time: 1 h 06 min 45 s
